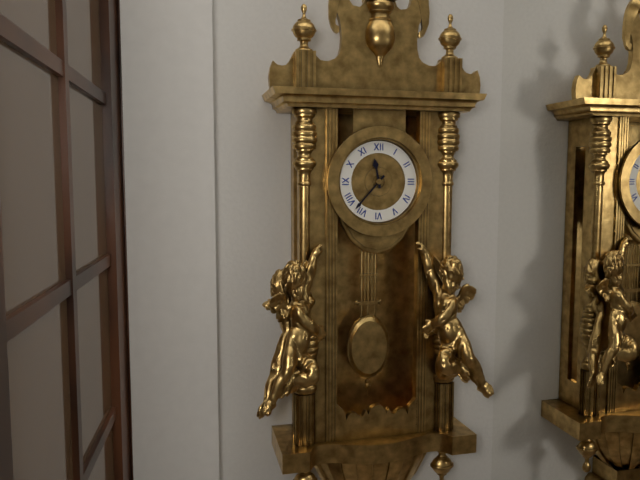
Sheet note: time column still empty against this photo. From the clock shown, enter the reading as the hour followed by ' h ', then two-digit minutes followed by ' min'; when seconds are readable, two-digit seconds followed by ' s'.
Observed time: 11 h 37 min
